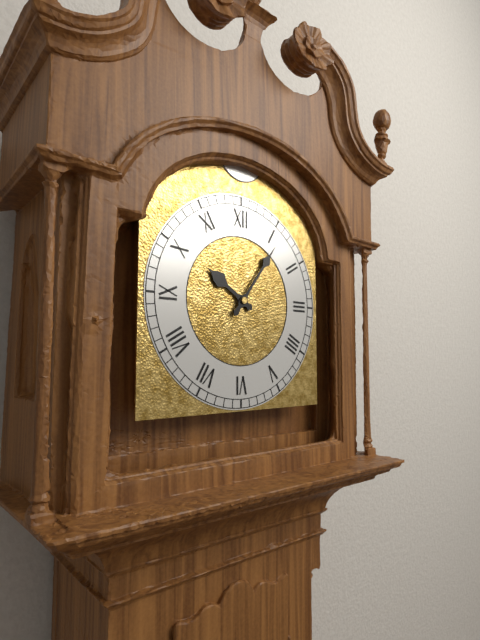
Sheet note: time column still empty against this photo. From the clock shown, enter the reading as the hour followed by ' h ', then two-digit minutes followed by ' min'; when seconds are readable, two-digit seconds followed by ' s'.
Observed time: 10 h 06 min
